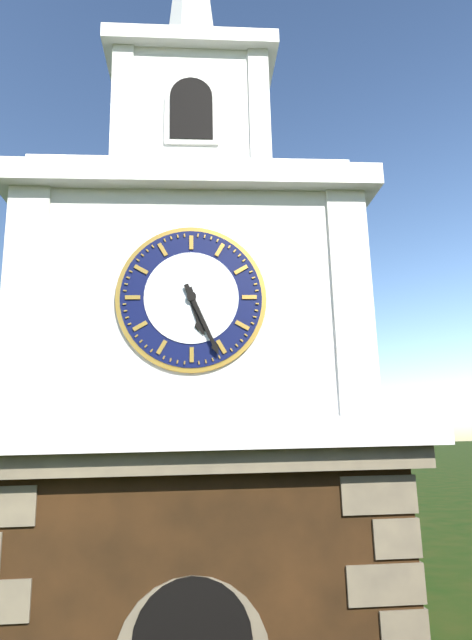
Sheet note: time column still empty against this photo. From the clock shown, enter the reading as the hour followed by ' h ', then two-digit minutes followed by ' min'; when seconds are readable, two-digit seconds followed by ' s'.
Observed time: 5 h 26 min
